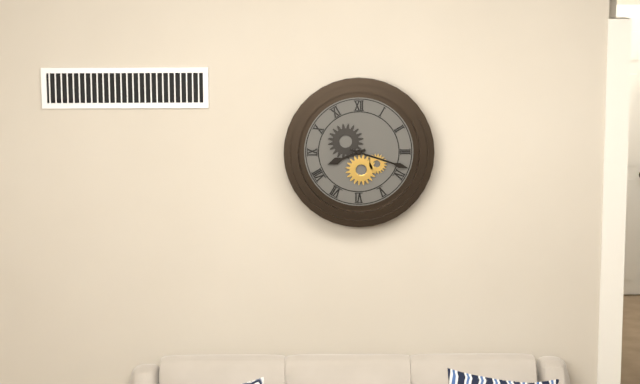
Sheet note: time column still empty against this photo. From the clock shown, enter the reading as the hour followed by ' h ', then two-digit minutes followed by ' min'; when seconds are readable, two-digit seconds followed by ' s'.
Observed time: 8 h 18 min
